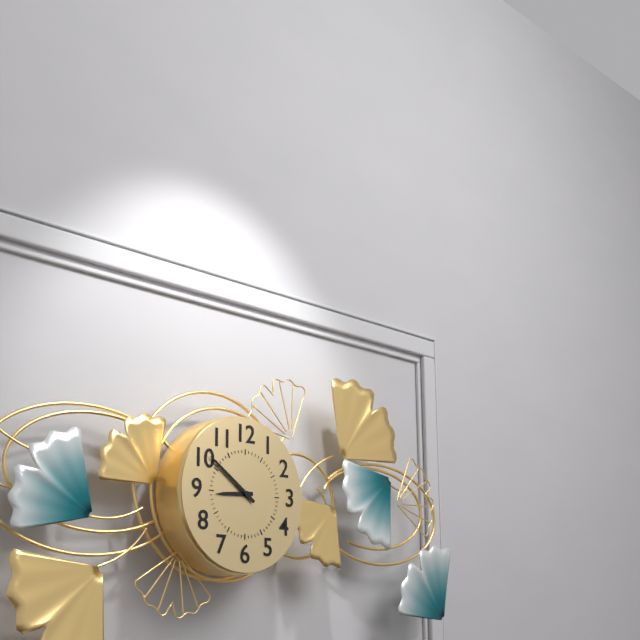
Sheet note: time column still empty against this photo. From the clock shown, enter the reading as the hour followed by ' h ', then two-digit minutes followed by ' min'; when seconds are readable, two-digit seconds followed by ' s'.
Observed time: 8 h 51 min
